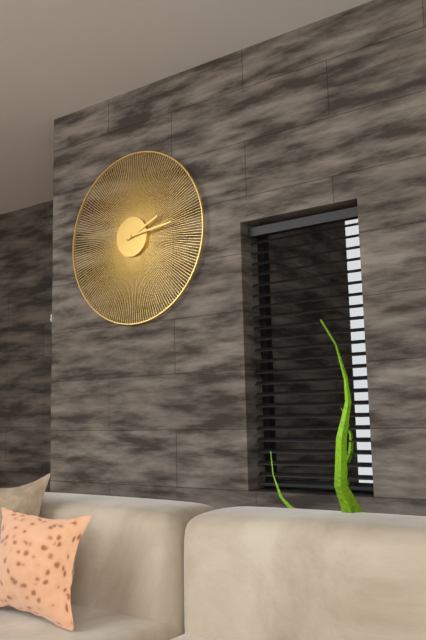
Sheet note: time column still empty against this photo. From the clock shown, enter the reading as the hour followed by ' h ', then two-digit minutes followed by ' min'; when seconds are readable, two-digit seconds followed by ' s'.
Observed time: 2 h 14 min
